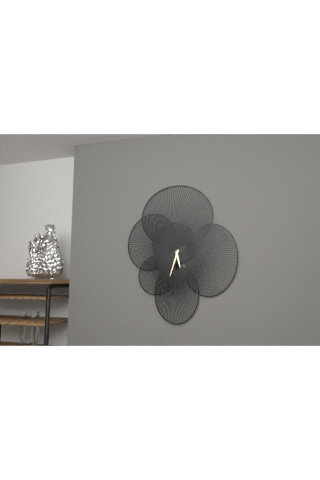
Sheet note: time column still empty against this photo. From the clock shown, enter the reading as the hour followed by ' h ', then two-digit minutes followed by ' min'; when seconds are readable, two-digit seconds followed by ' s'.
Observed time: 5 h 33 min
